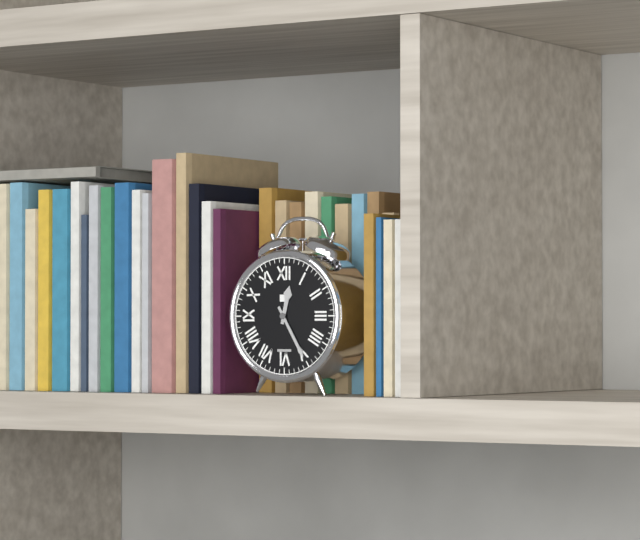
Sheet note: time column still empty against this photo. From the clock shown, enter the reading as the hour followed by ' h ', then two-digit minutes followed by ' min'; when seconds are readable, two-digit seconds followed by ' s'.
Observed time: 12 h 25 min
